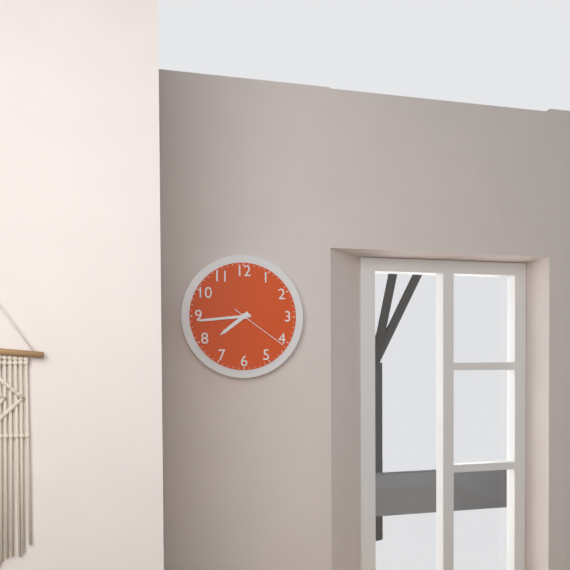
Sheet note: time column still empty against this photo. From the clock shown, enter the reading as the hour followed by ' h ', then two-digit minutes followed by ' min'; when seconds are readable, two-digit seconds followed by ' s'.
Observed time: 7 h 44 min 21 s
